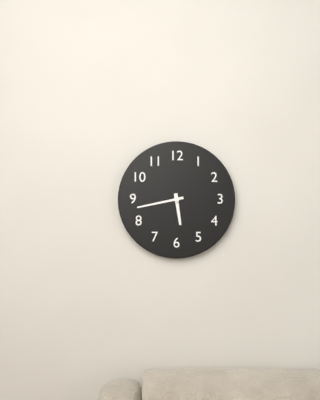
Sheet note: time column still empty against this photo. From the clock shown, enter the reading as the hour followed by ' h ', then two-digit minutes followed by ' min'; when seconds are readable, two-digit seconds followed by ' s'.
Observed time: 5 h 43 min
